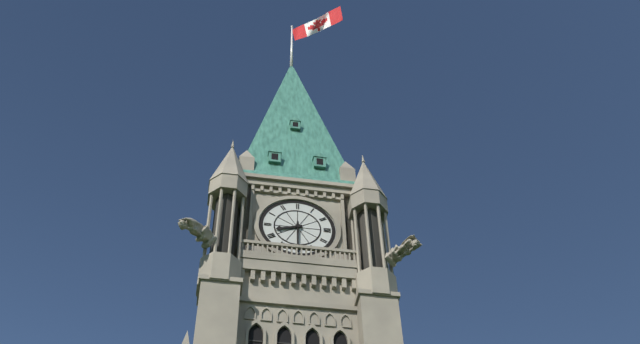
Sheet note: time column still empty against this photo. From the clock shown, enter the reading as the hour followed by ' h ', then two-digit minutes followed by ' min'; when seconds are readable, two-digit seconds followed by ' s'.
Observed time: 8 h 30 min
